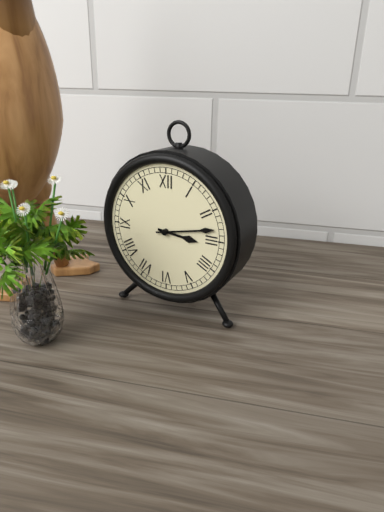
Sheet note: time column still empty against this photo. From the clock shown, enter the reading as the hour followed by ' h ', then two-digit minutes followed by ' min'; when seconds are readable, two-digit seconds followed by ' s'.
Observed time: 3 h 13 min
